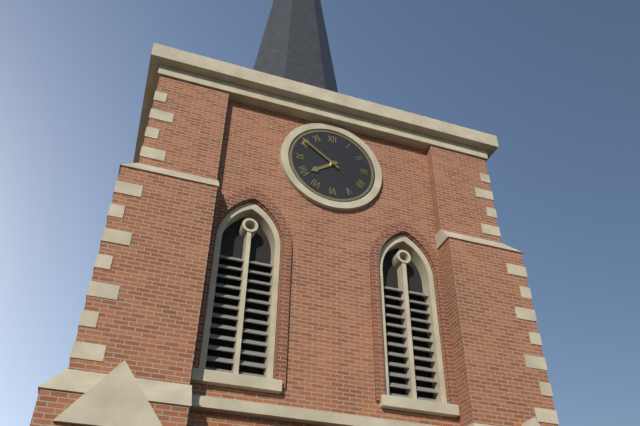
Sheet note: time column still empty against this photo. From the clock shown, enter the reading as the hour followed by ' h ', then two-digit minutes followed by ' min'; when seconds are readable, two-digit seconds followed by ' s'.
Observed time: 7 h 51 min
